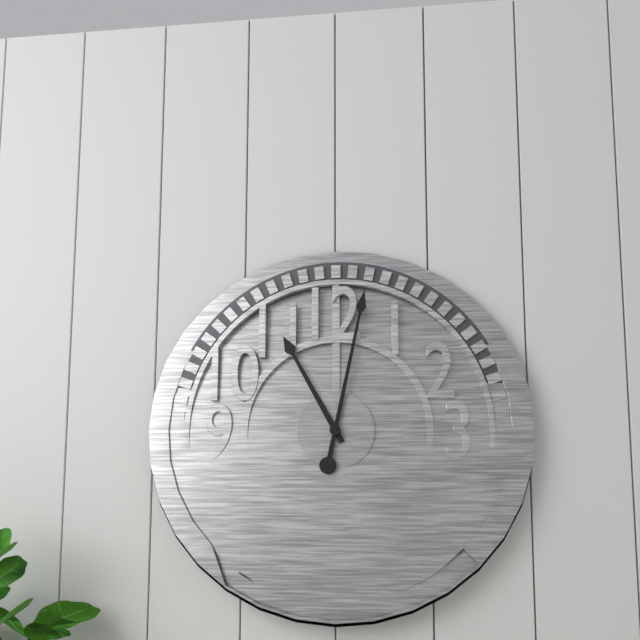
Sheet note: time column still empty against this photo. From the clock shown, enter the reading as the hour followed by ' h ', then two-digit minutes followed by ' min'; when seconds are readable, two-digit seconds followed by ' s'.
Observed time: 11 h 02 min
